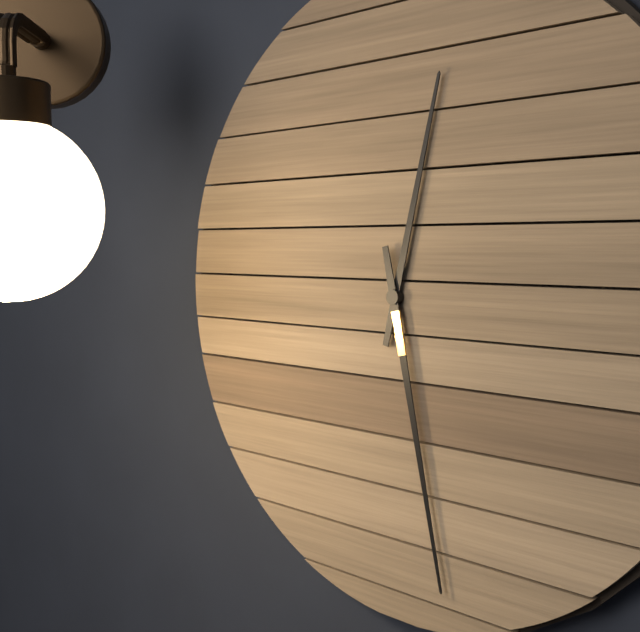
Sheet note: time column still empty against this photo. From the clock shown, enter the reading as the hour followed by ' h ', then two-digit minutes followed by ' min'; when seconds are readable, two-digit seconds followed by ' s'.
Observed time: 12 h 28 min
